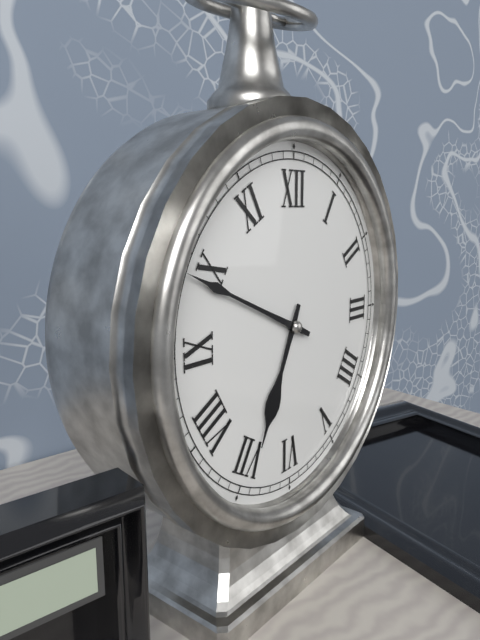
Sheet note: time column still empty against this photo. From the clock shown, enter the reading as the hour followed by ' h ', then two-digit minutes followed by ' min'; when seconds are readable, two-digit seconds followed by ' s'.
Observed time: 6 h 49 min
